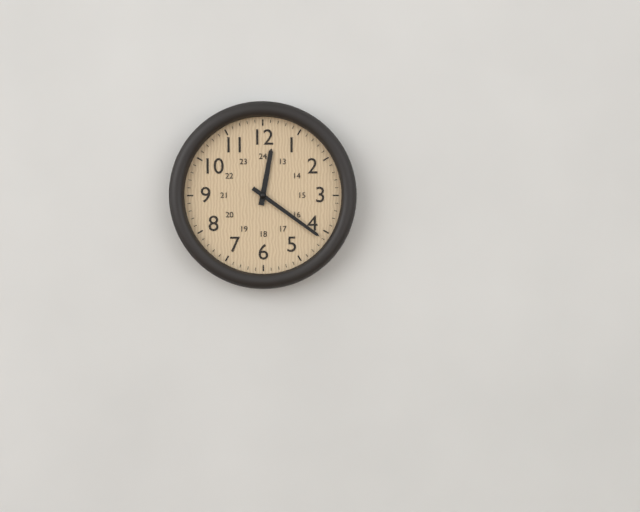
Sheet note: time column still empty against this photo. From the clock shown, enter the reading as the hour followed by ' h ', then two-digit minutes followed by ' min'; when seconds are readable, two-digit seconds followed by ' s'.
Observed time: 12 h 21 min
